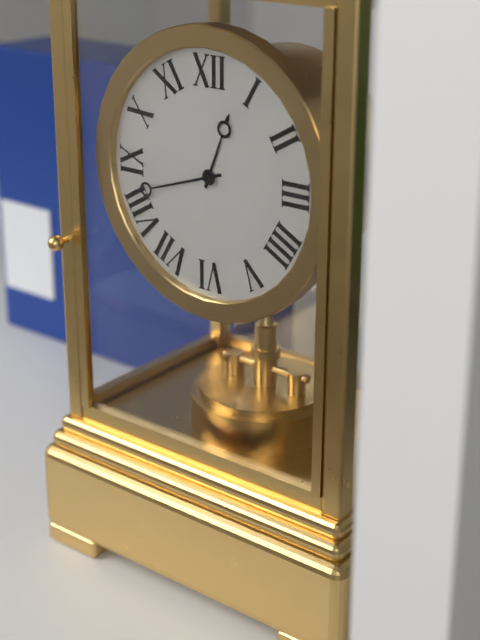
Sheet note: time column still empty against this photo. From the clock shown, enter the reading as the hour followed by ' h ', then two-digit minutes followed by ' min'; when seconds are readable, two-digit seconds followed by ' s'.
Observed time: 12 h 42 min
